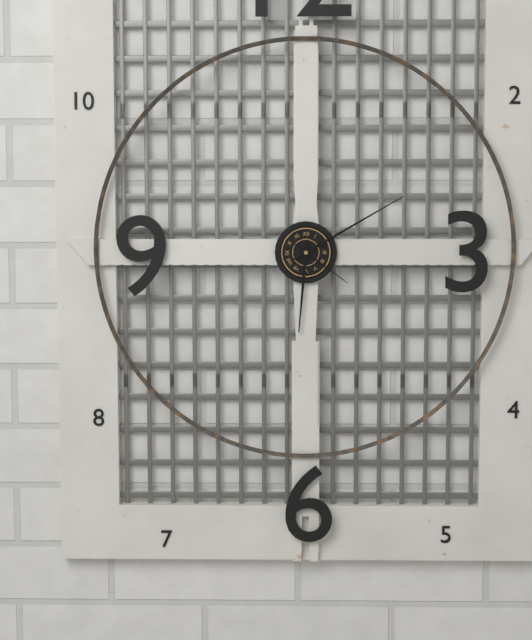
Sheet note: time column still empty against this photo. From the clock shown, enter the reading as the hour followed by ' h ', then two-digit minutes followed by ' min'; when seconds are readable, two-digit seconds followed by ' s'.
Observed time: 6 h 10 min 21 s
